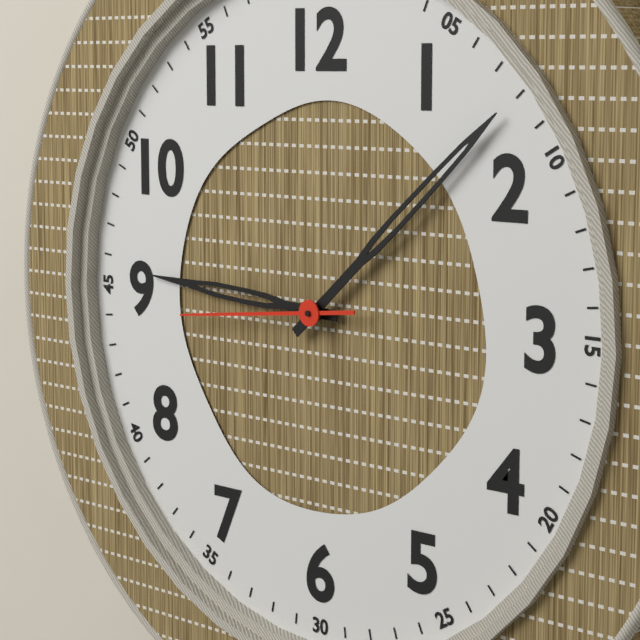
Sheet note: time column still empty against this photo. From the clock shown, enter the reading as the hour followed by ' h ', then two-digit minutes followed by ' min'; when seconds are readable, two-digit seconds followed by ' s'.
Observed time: 9 h 08 min 44 s
